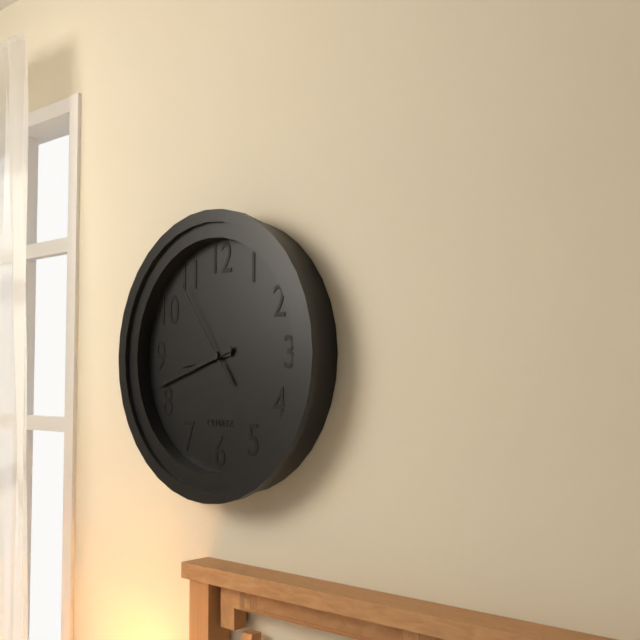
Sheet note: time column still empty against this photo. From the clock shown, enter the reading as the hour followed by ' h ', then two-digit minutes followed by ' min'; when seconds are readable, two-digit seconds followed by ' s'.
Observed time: 8 h 42 min 54 s
